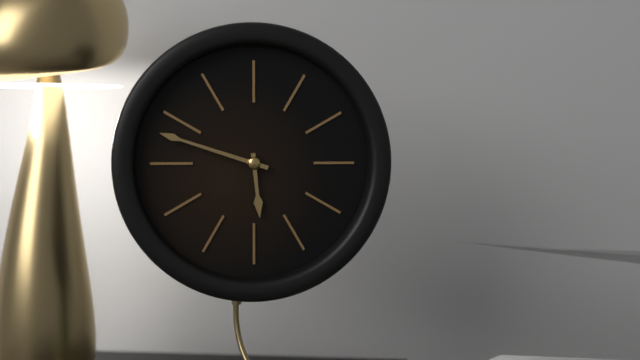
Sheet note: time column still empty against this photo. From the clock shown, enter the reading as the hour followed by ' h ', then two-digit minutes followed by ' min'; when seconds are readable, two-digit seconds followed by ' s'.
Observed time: 5 h 48 min
